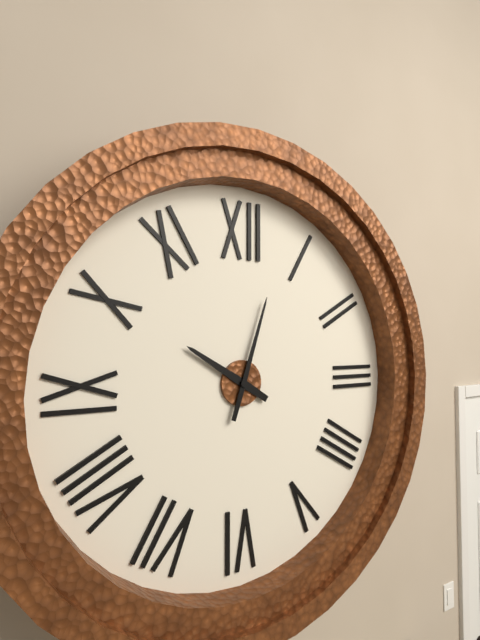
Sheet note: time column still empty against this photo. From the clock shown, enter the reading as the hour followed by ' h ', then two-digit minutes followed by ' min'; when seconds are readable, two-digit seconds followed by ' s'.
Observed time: 10 h 03 min
